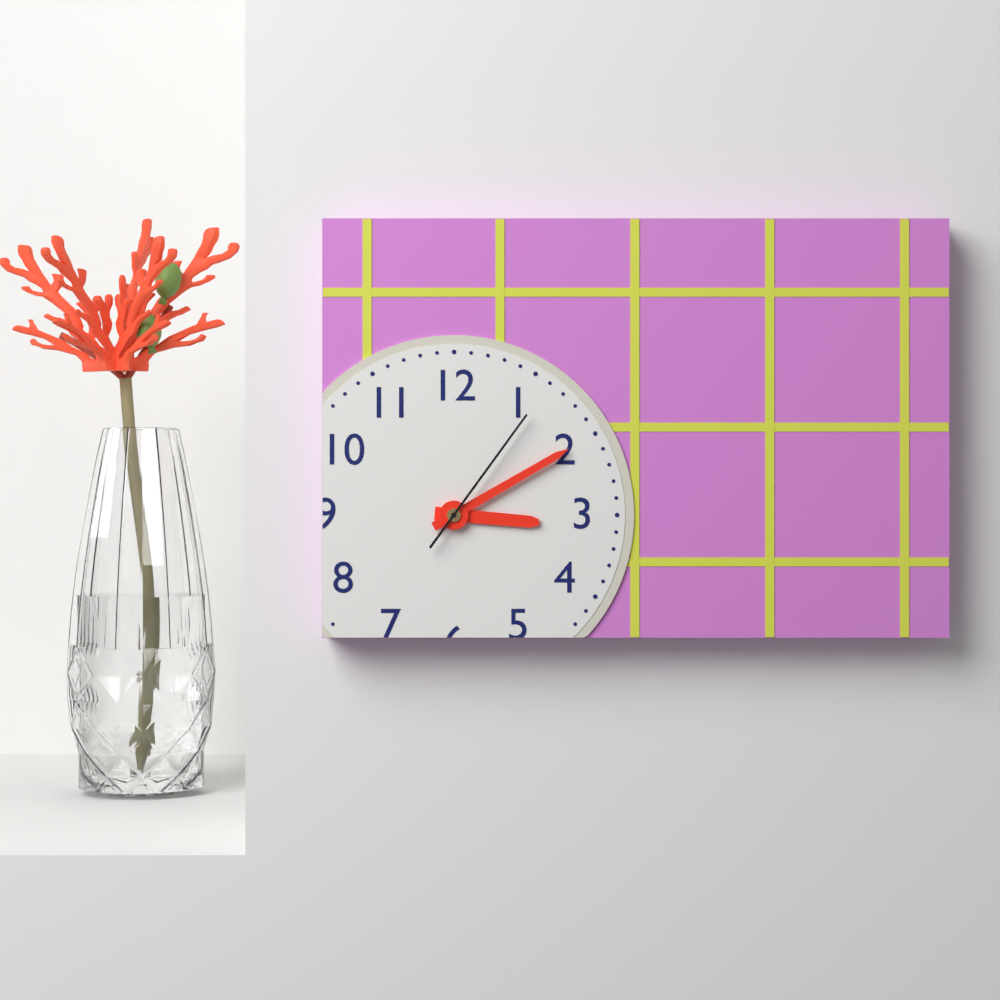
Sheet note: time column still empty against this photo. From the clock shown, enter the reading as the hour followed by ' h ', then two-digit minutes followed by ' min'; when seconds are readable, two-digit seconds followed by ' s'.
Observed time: 3 h 10 min 06 s
